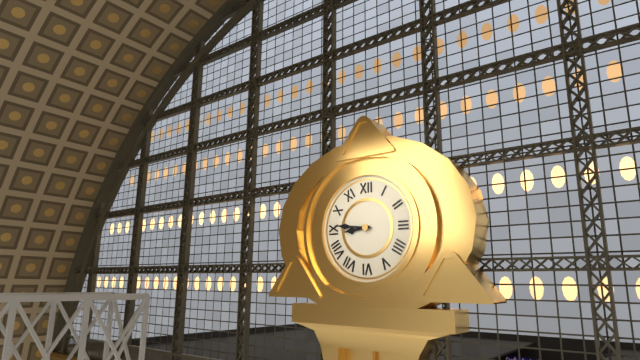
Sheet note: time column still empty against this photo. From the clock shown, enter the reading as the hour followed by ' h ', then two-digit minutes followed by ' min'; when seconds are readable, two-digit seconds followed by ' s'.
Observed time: 8 h 46 min
